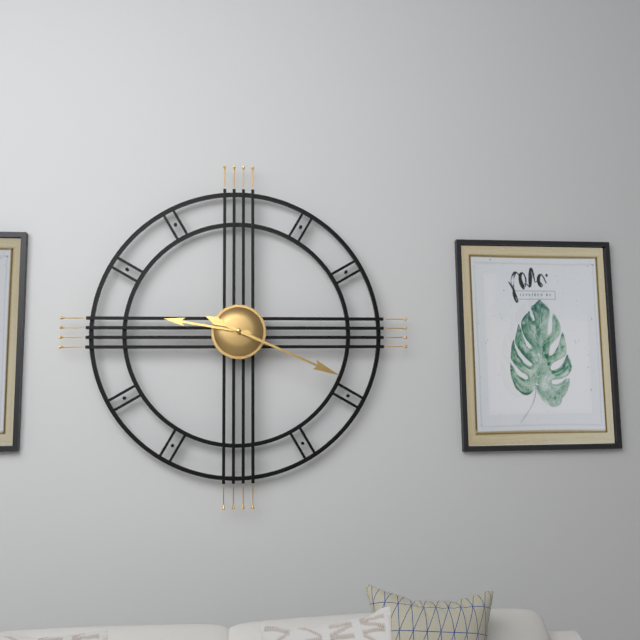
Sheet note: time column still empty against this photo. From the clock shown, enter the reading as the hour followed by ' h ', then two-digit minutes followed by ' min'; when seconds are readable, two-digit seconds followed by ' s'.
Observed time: 9 h 19 min
